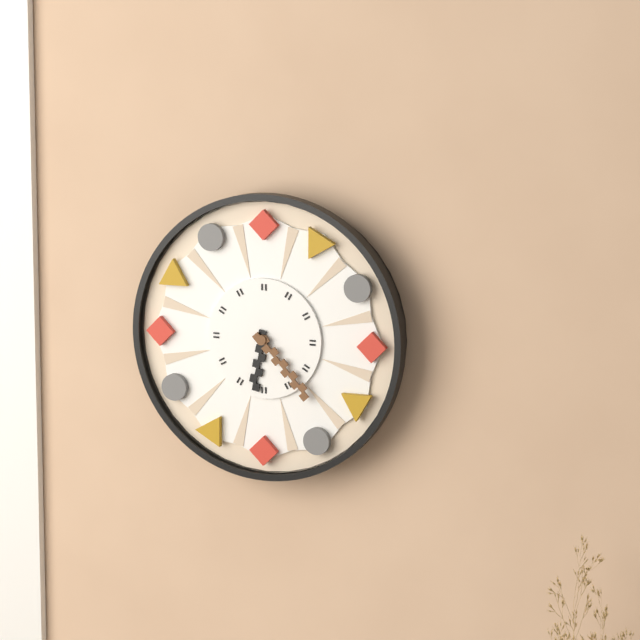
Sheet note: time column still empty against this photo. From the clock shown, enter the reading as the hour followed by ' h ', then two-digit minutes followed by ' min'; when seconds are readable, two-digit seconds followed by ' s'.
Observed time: 6 h 23 min
